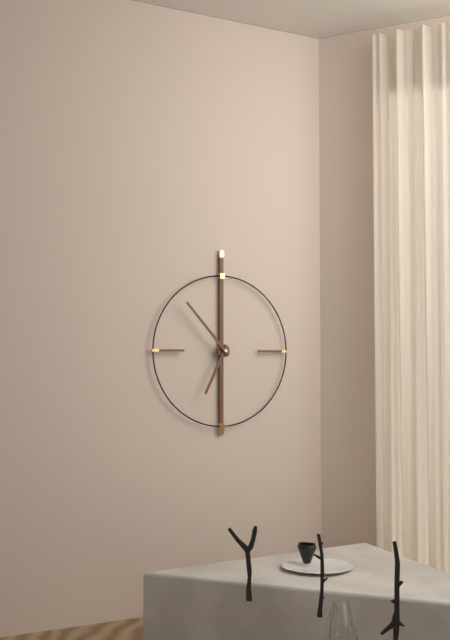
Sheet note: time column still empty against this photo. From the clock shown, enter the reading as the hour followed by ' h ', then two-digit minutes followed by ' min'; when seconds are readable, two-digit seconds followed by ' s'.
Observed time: 6 h 53 min
